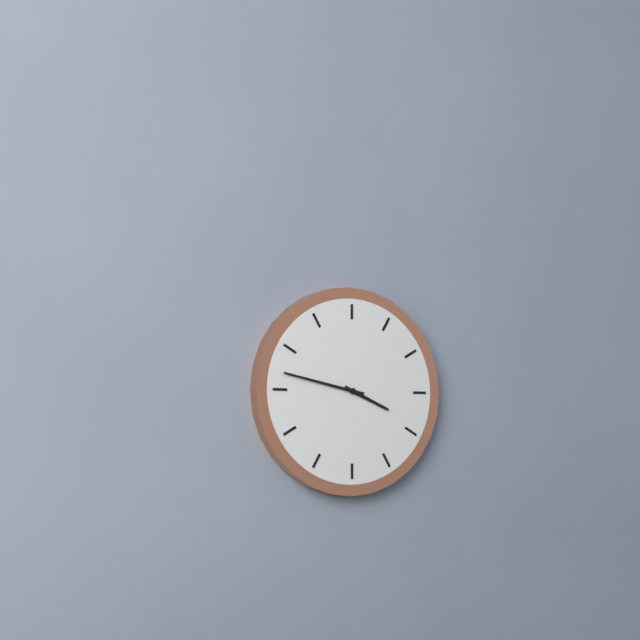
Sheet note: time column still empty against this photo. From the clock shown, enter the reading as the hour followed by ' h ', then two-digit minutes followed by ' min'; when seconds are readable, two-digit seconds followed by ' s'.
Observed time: 3 h 47 min
